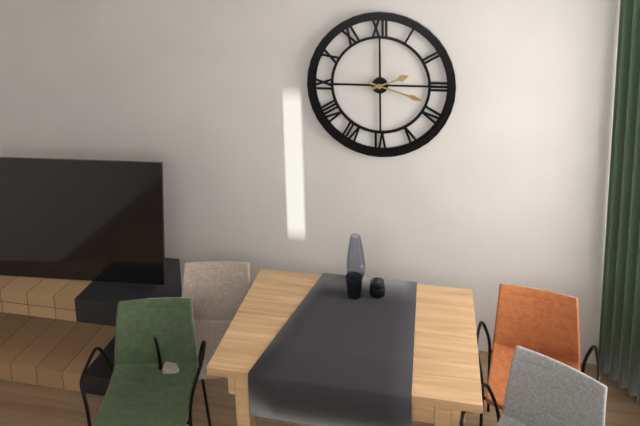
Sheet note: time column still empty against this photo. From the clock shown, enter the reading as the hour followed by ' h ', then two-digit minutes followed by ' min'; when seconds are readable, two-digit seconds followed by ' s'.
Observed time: 2 h 18 min
